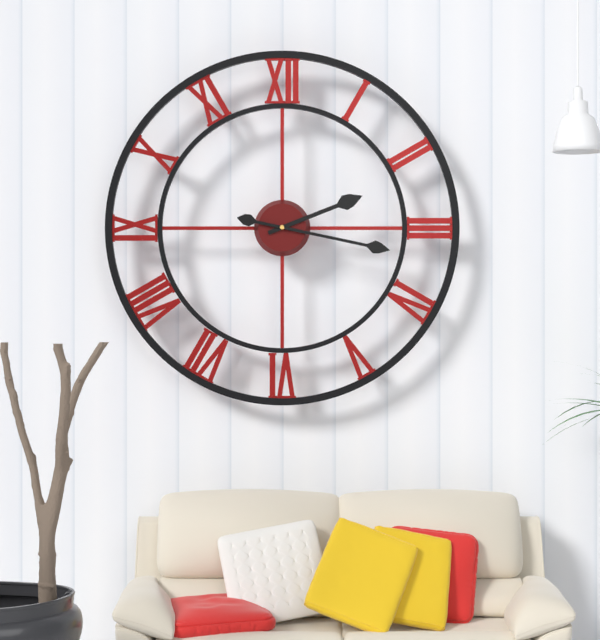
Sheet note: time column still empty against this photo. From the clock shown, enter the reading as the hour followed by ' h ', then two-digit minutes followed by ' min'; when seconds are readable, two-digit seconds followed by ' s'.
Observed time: 2 h 17 min
